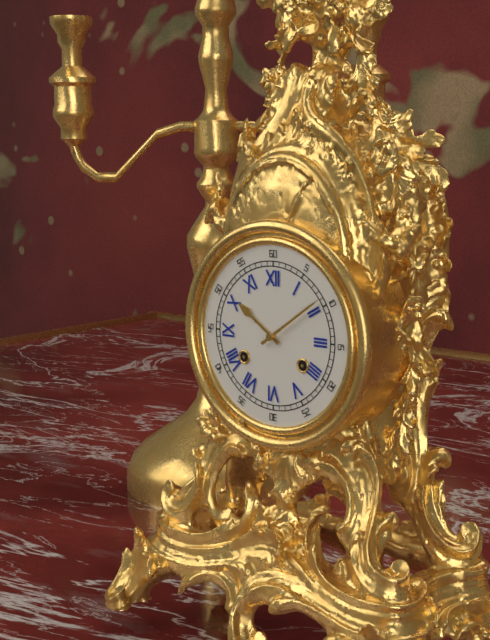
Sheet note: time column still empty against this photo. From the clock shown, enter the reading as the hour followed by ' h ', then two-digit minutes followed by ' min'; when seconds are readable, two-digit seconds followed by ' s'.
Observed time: 10 h 09 min
